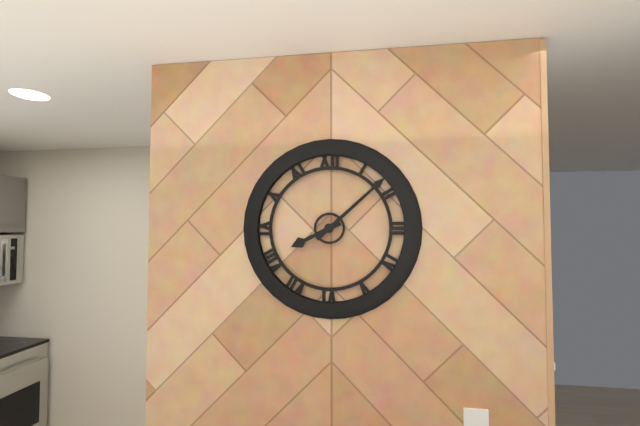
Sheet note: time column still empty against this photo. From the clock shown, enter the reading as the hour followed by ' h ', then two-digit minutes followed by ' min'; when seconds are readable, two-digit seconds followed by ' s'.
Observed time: 8 h 08 min
